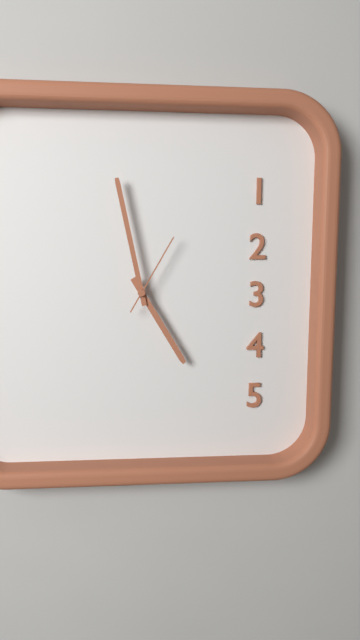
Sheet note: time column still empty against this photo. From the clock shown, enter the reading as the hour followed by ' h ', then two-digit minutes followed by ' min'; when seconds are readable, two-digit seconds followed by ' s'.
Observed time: 4 h 58 min 05 s
